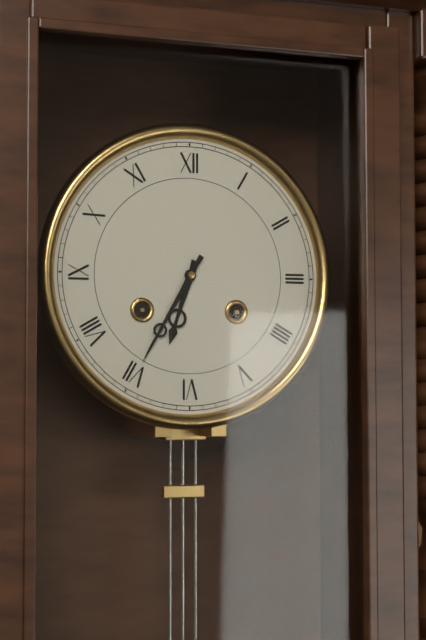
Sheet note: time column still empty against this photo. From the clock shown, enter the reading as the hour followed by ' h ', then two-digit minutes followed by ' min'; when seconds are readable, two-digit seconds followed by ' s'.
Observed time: 6 h 35 min
